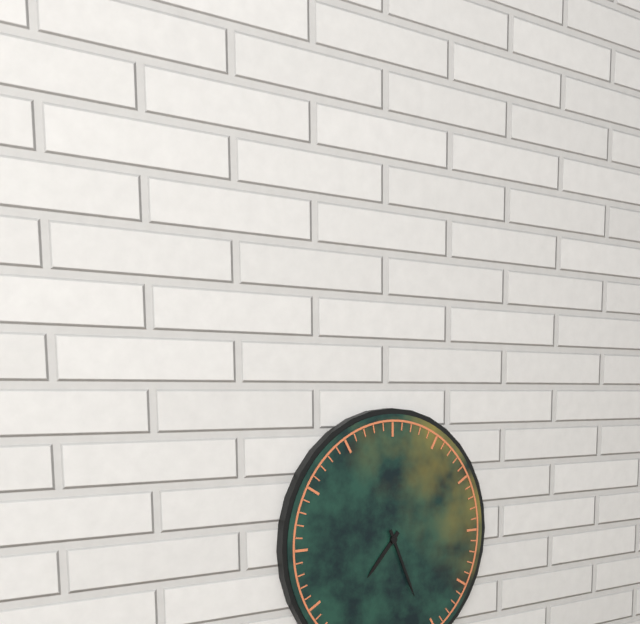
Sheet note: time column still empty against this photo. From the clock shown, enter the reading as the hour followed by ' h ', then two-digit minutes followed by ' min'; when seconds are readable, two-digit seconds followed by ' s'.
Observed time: 7 h 26 min
